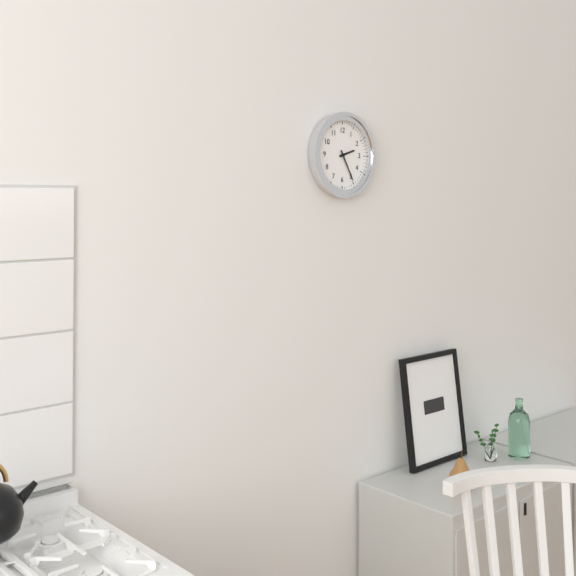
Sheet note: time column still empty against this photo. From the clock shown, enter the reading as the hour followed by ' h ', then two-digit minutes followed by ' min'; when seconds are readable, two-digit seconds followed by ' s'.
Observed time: 2 h 25 min
